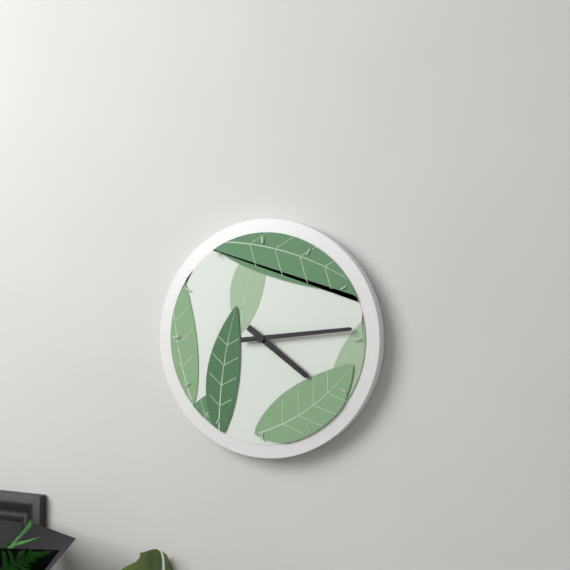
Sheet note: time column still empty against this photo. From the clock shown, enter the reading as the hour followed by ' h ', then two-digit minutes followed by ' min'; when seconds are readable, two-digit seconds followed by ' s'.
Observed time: 4 h 14 min
